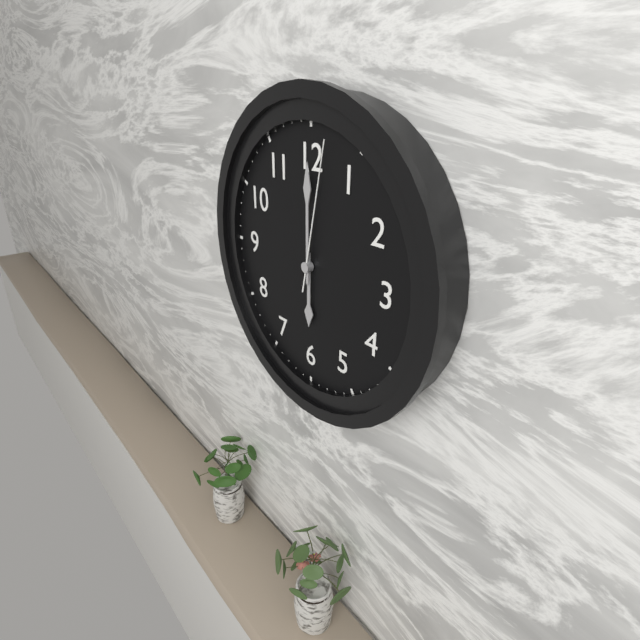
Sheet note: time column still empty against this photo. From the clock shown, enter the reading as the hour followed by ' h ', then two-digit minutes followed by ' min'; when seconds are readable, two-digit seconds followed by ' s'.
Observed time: 6 h 00 min 02 s
